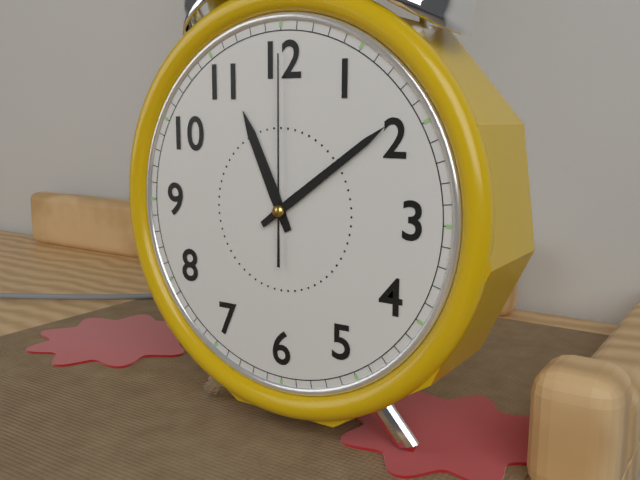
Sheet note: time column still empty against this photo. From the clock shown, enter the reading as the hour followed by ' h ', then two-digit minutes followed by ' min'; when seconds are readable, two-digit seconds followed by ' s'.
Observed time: 11 h 09 min 00 s
